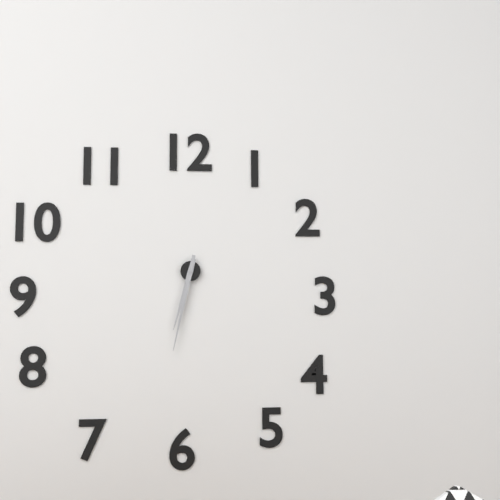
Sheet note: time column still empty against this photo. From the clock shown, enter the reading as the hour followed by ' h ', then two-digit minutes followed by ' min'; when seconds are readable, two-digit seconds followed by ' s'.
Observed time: 6 h 32 min
